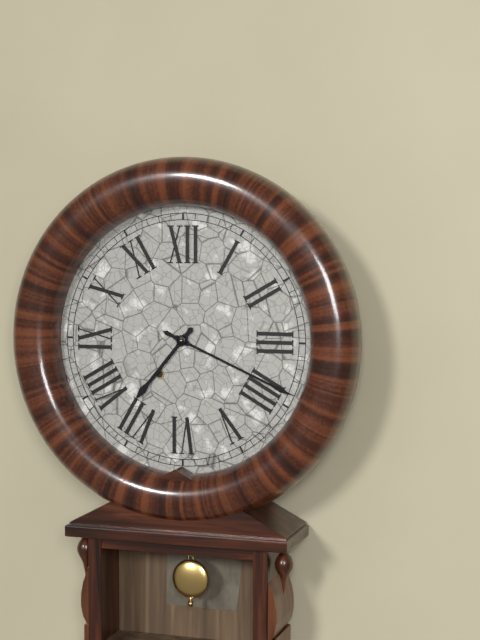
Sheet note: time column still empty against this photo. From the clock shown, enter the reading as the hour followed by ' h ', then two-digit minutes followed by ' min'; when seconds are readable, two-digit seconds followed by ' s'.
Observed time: 7 h 19 min
